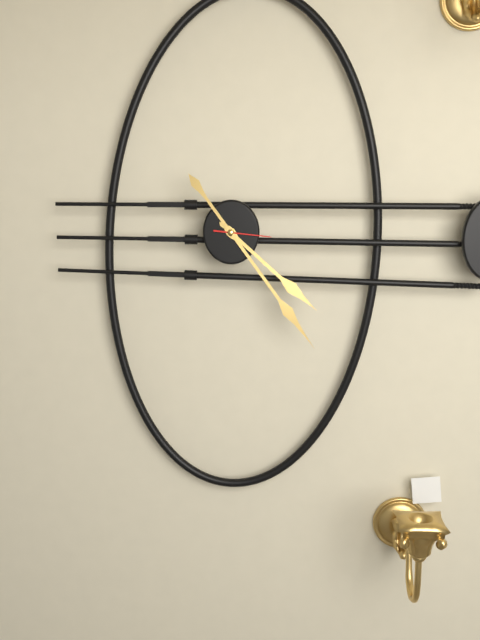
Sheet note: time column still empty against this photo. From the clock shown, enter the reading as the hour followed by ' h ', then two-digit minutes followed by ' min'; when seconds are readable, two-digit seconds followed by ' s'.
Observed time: 4 h 24 min 16 s
